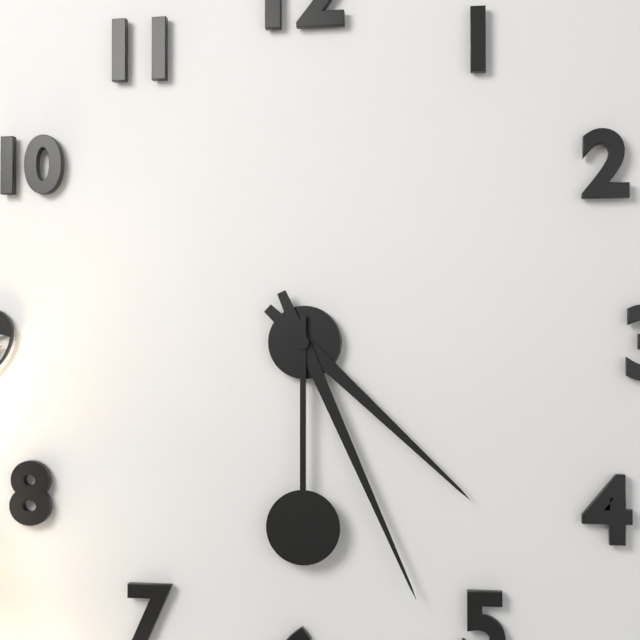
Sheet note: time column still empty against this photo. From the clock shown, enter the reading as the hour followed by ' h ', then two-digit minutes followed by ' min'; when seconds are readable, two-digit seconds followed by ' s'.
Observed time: 4 h 26 min 30 s
